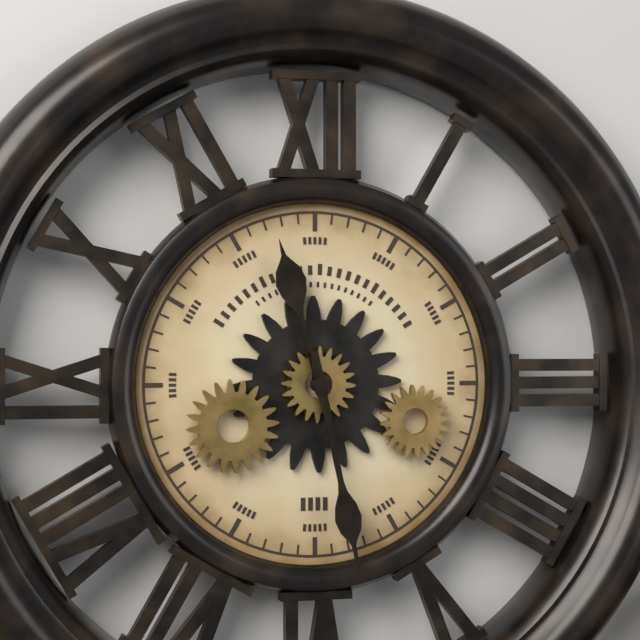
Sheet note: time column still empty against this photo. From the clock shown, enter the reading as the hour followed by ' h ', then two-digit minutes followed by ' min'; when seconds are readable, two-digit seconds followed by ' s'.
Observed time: 11 h 28 min
